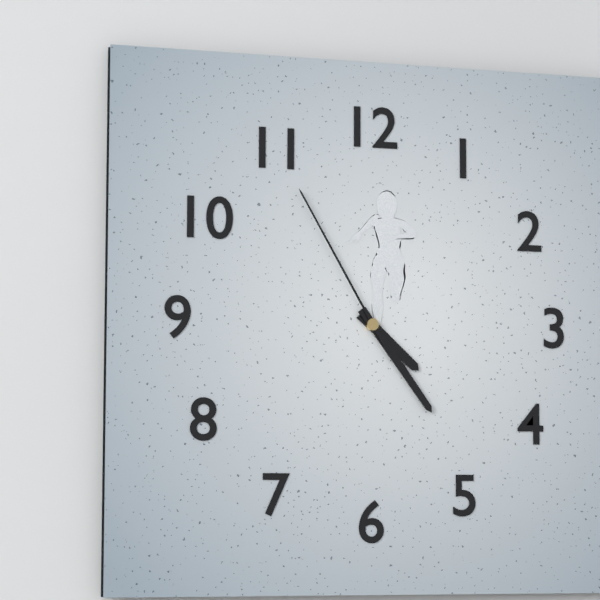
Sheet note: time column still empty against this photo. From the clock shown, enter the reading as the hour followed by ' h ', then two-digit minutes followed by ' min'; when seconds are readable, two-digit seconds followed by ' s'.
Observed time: 4 h 24 min 55 s
